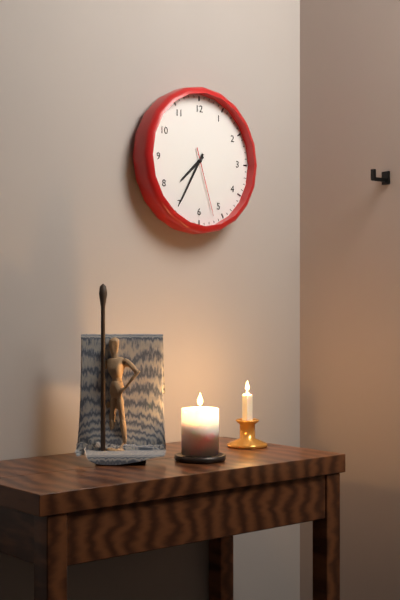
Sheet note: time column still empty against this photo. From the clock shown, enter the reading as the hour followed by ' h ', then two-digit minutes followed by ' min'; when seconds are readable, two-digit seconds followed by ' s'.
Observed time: 7 h 35 min 27 s
